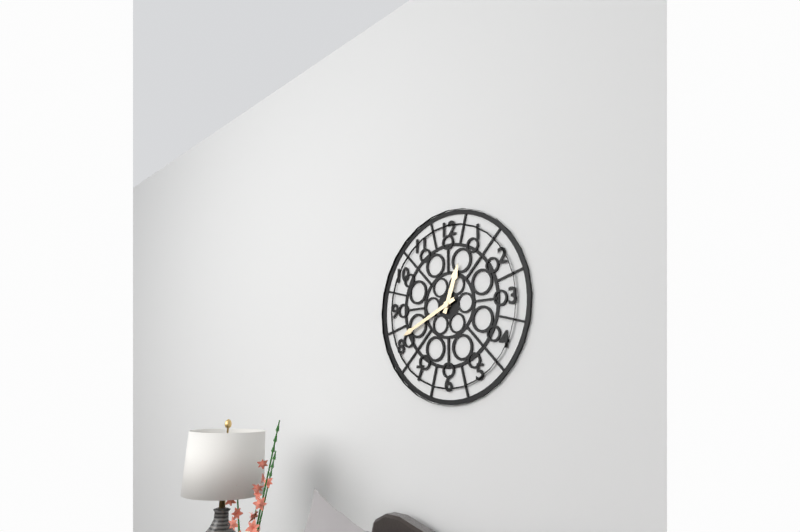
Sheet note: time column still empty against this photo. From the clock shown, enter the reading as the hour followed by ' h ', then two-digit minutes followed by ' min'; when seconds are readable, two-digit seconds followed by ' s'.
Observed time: 12 h 41 min
